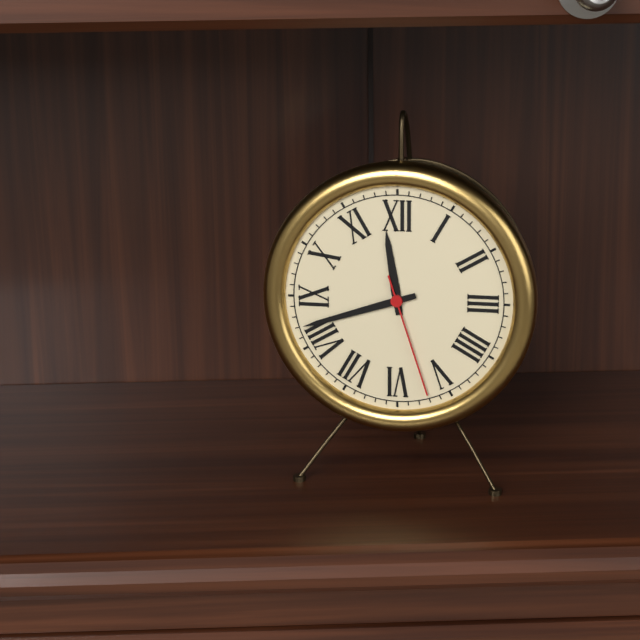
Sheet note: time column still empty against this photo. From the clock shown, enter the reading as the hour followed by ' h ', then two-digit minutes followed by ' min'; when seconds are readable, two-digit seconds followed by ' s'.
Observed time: 11 h 42 min 27 s
